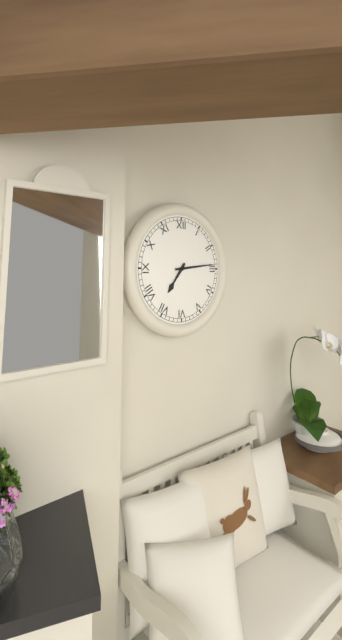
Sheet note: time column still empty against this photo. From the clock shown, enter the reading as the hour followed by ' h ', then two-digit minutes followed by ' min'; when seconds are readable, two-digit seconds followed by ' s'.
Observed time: 7 h 14 min
